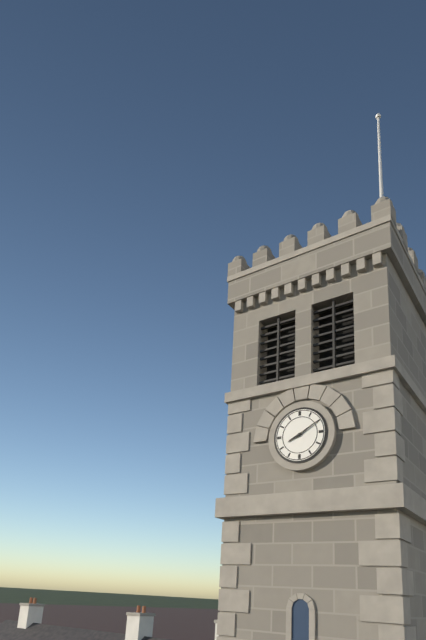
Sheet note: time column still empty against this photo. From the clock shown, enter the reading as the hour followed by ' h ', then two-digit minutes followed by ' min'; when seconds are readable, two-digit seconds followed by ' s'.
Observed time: 8 h 10 min
